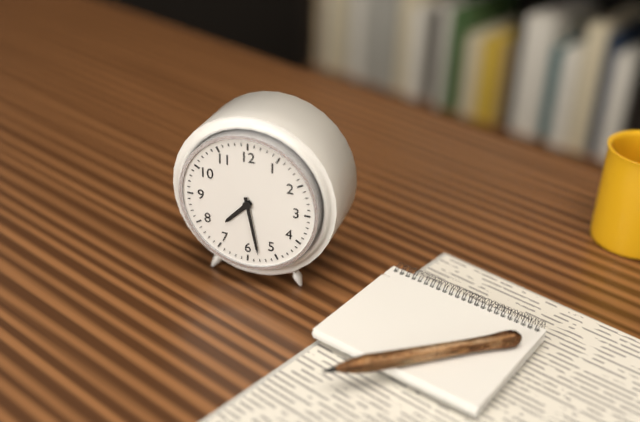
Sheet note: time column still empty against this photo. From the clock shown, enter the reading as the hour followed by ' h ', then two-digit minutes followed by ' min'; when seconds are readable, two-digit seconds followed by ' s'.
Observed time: 7 h 28 min
